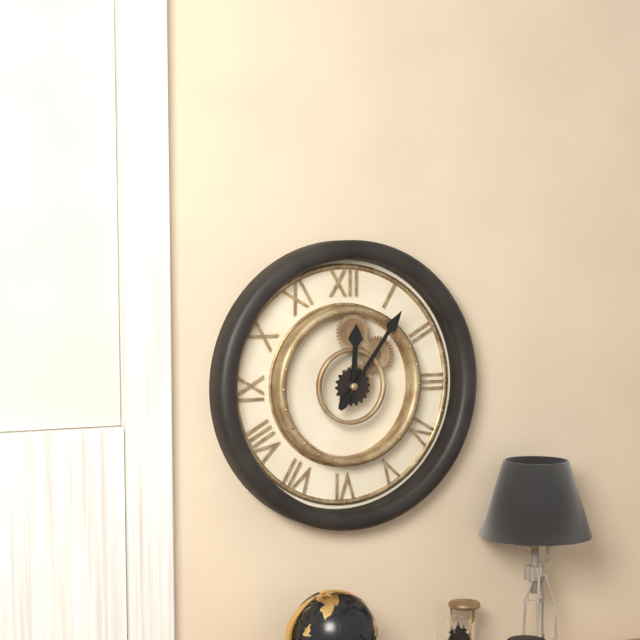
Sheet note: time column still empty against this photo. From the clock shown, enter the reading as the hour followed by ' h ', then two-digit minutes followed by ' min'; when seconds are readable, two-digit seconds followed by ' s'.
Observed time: 12 h 06 min
